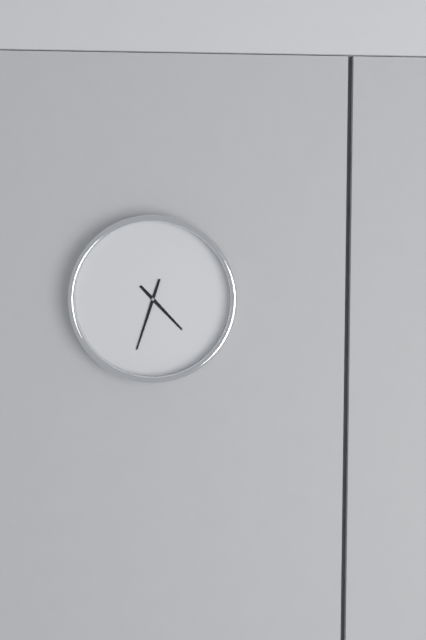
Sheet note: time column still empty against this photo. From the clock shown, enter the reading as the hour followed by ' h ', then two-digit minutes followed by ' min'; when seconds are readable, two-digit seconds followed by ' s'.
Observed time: 4 h 33 min
